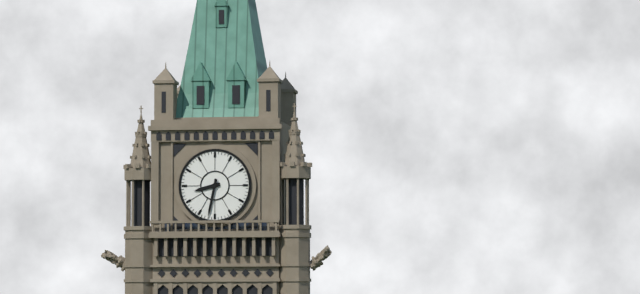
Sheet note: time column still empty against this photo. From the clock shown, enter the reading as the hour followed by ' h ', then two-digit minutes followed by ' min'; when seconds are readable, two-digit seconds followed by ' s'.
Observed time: 8 h 32 min
